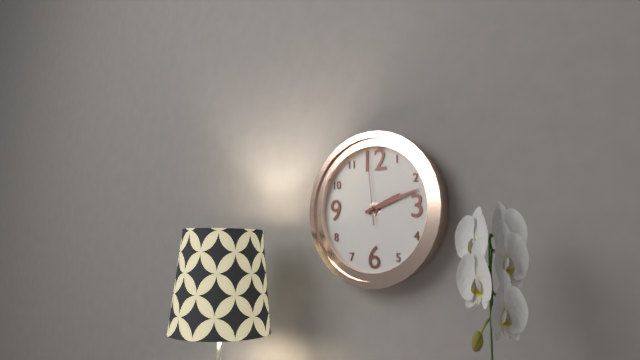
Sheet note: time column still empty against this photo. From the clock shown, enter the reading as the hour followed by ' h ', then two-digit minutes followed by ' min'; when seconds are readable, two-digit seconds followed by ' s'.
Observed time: 2 h 12 min 59 s
